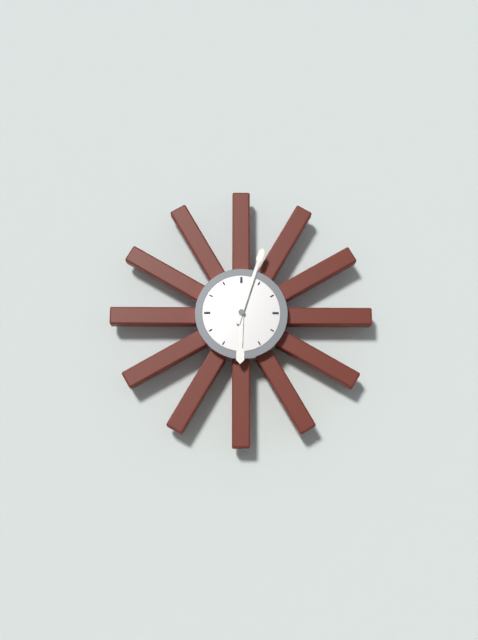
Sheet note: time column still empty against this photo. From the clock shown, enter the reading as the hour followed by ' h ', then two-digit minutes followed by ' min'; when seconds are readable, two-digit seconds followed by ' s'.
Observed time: 6 h 03 min
